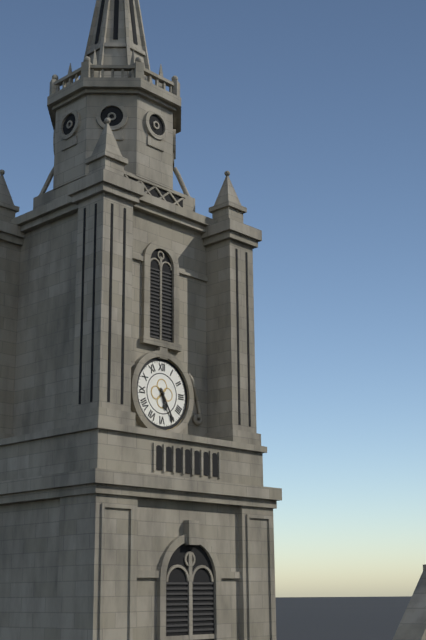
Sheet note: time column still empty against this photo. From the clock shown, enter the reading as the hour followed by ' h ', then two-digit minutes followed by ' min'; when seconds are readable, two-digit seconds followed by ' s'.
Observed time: 5 h 25 min
